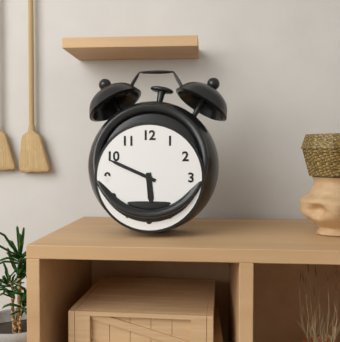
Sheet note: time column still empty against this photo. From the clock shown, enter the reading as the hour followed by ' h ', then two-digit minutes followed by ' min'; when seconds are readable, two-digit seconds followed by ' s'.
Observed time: 5 h 49 min
